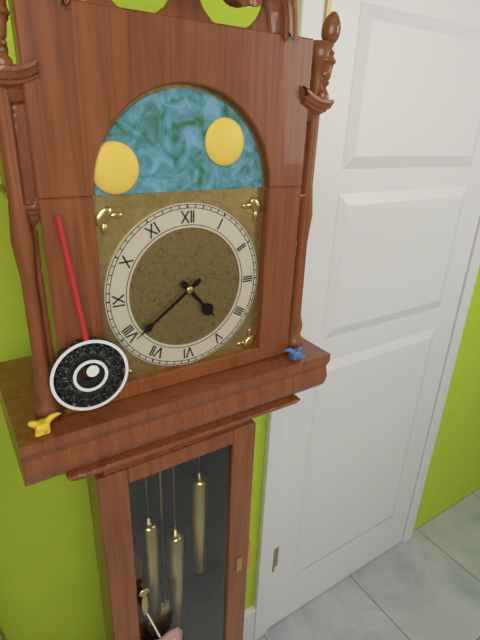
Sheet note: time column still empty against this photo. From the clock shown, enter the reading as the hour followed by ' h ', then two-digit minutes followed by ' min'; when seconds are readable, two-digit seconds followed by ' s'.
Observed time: 4 h 39 min
